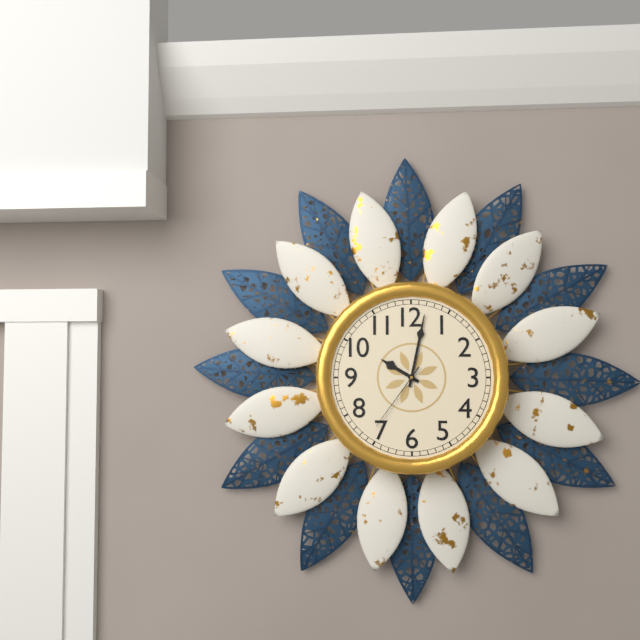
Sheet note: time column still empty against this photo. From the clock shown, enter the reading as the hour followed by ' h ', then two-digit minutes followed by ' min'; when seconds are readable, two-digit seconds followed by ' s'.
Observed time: 10 h 02 min 36 s
